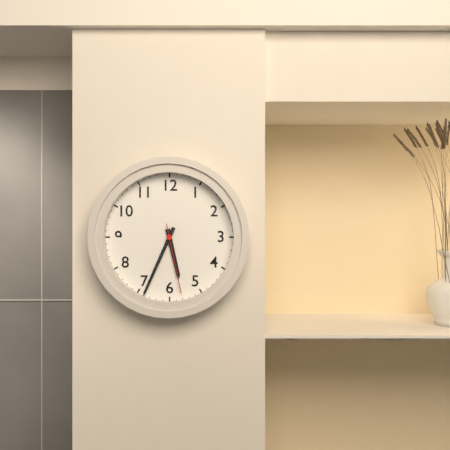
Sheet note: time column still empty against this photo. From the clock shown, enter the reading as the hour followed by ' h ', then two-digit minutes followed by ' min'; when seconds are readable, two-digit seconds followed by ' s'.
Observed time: 5 h 34 min 28 s
